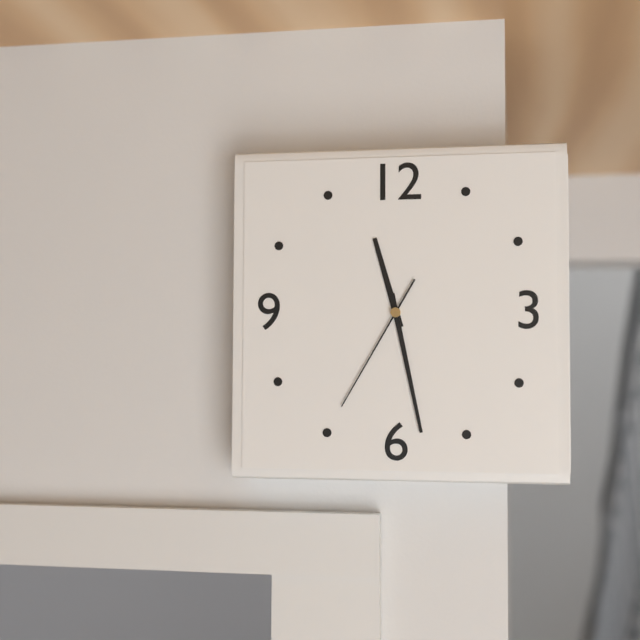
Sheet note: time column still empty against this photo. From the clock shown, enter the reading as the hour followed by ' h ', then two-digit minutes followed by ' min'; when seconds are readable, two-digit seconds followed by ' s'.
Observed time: 11 h 28 min 35 s
